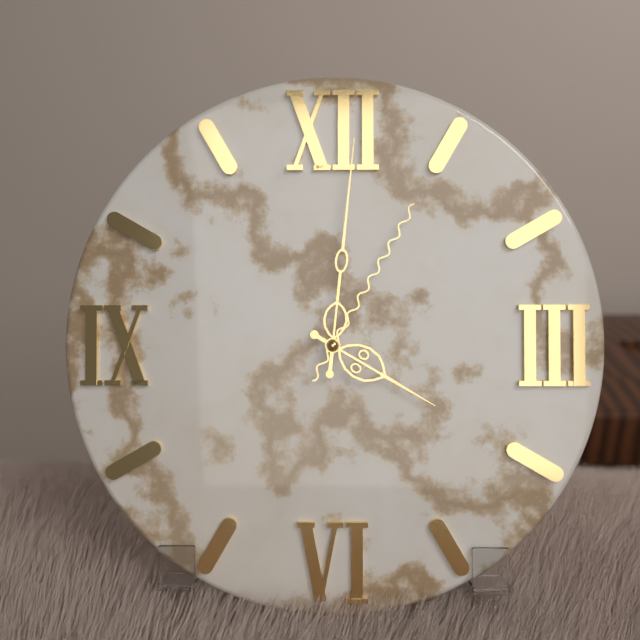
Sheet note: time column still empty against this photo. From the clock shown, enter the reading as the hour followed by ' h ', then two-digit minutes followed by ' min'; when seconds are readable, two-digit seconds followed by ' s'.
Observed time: 4 h 01 min 05 s
